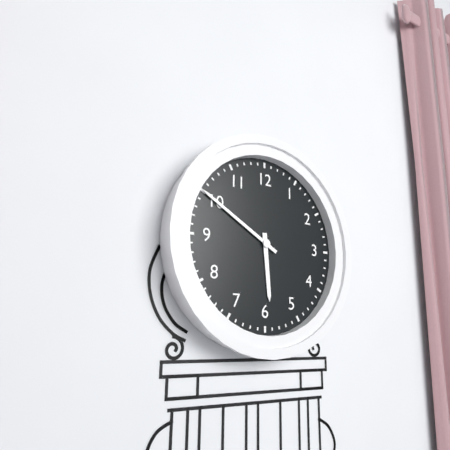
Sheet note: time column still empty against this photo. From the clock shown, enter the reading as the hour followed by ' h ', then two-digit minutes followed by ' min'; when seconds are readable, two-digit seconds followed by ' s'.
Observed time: 5 h 50 min
